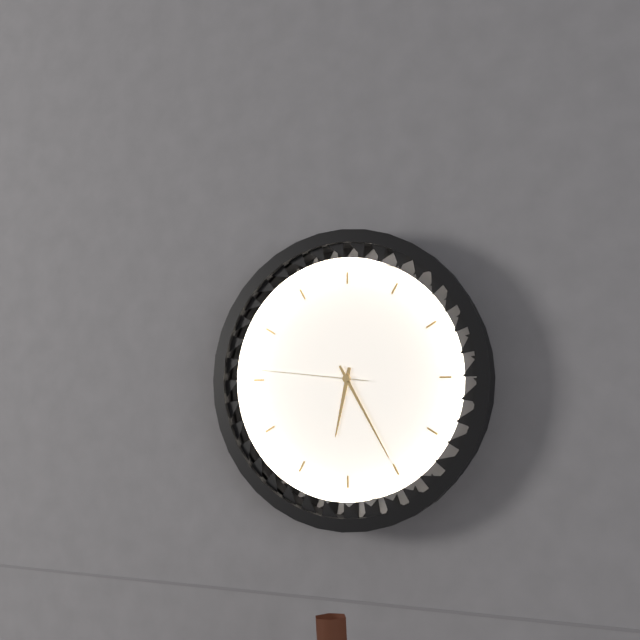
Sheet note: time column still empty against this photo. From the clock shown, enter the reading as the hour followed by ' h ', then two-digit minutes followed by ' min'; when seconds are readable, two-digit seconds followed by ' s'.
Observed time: 6 h 25 min 46 s
